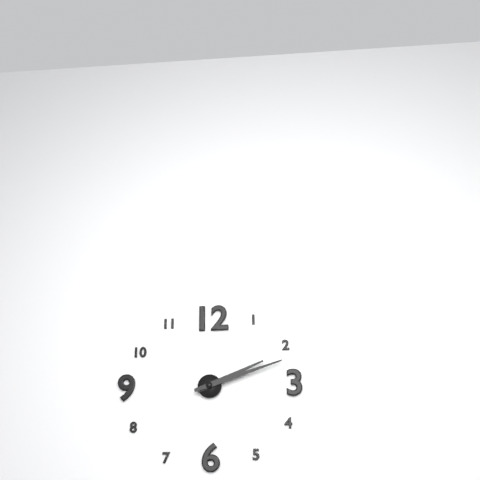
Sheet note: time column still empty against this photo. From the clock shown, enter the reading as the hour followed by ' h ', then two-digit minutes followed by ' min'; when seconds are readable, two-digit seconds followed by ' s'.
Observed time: 2 h 12 min
